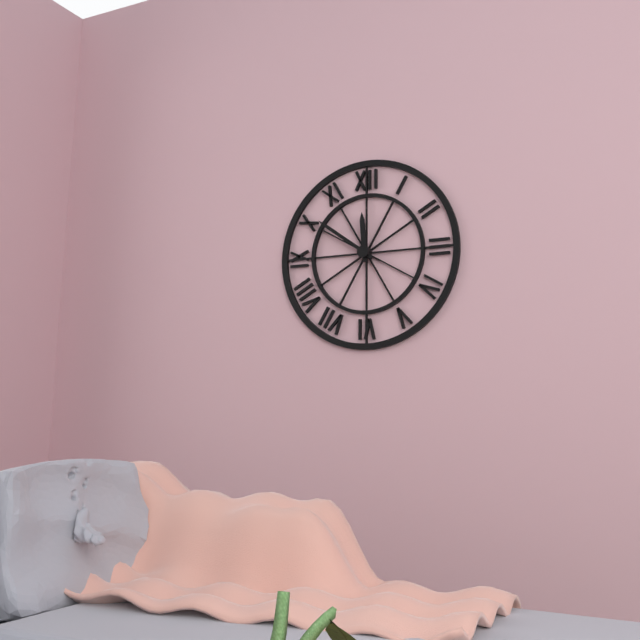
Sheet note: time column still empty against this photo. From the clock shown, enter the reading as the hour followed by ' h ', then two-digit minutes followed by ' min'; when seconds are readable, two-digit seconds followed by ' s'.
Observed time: 11 h 51 min
